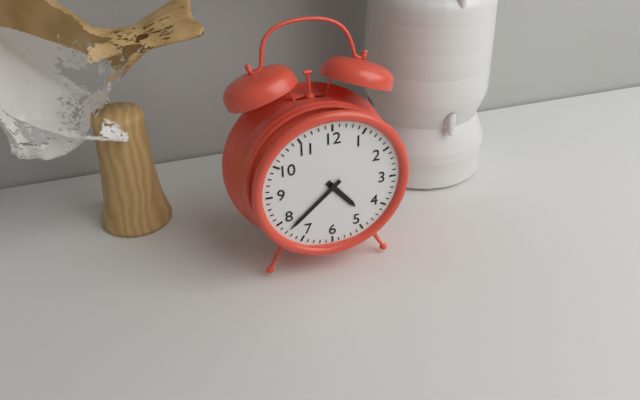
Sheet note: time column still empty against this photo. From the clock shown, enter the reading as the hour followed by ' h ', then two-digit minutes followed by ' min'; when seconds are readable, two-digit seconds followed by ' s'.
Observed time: 4 h 38 min
